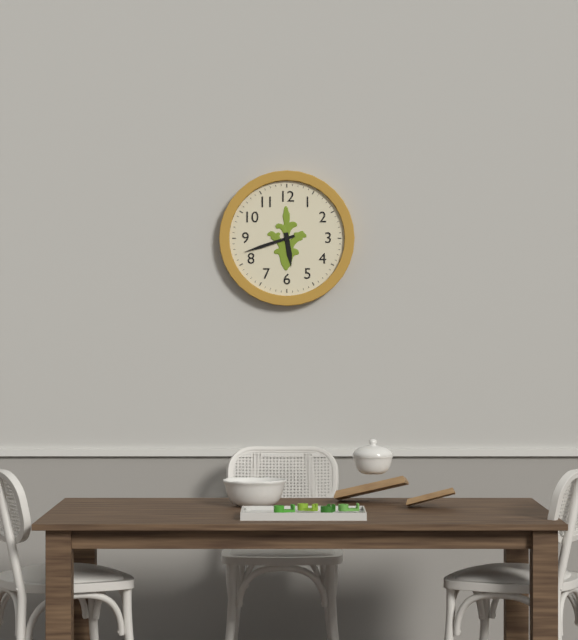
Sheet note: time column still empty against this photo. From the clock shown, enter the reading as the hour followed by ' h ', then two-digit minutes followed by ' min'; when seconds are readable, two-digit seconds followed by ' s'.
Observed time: 5 h 42 min
